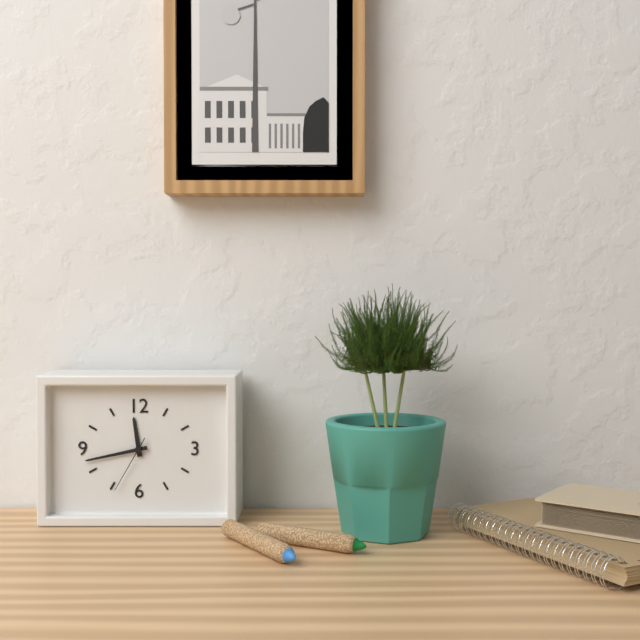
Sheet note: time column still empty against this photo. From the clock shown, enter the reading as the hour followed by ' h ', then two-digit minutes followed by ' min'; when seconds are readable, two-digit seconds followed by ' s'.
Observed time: 11 h 43 min 35 s
